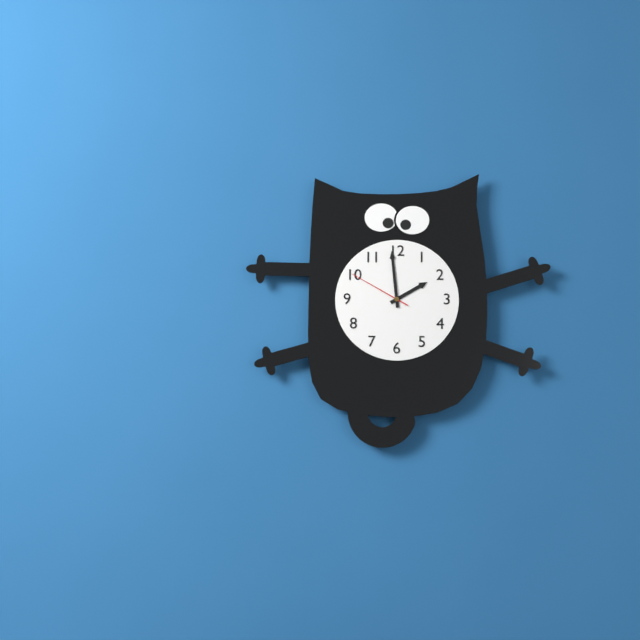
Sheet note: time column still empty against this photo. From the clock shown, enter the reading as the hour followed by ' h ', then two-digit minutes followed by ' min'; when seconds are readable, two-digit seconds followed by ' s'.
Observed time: 1 h 59 min 50 s
